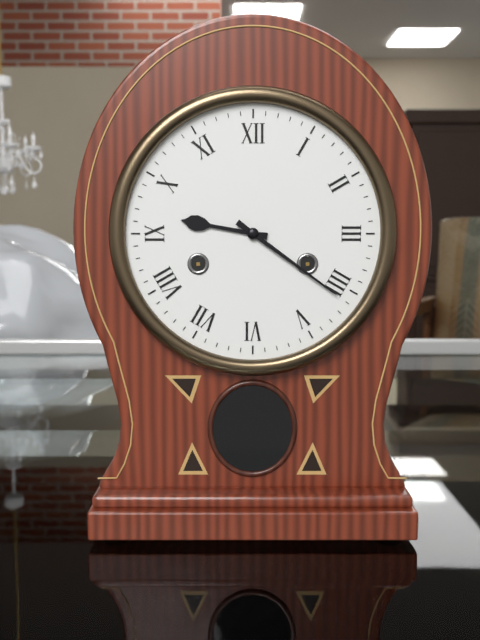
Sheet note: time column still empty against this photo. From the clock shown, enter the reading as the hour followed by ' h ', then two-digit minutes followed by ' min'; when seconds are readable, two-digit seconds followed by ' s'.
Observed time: 9 h 21 min
